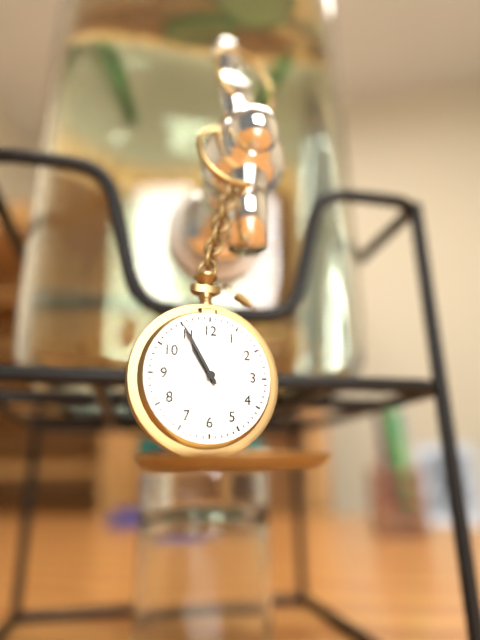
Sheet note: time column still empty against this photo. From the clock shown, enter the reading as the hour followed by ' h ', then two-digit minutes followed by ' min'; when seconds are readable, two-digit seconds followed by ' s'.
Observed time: 10 h 55 min
